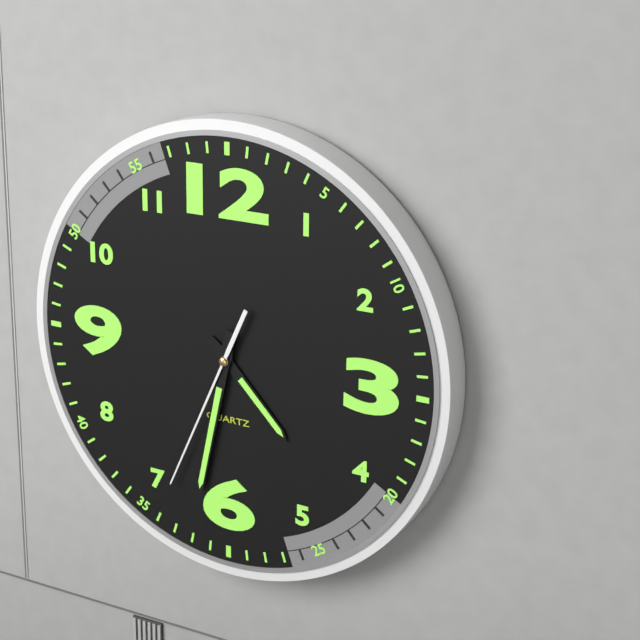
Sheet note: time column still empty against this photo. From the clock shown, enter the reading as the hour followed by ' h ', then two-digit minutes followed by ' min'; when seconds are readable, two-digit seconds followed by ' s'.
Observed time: 4 h 32 min 34 s
